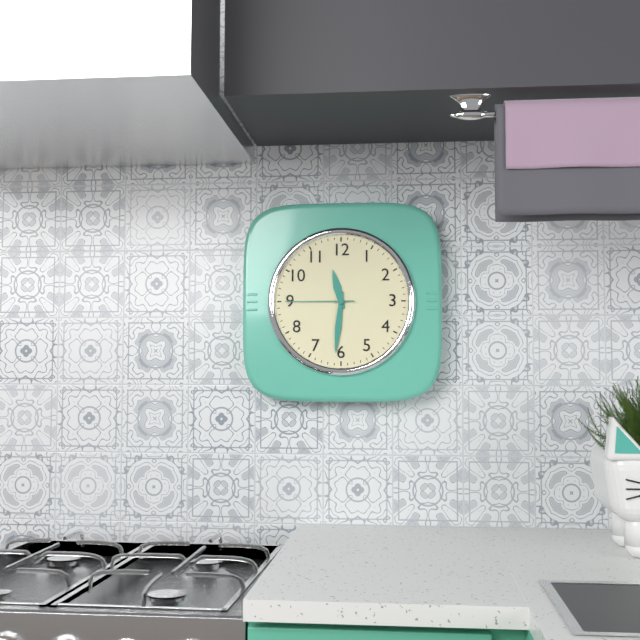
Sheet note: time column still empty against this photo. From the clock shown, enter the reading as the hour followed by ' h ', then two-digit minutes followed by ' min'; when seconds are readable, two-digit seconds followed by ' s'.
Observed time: 11 h 31 min 45 s
